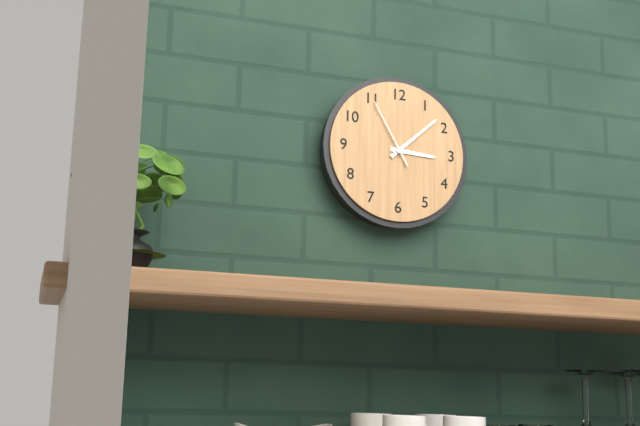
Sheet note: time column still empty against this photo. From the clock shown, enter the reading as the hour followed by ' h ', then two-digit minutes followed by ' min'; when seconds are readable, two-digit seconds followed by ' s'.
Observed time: 3 h 08 min 55 s
